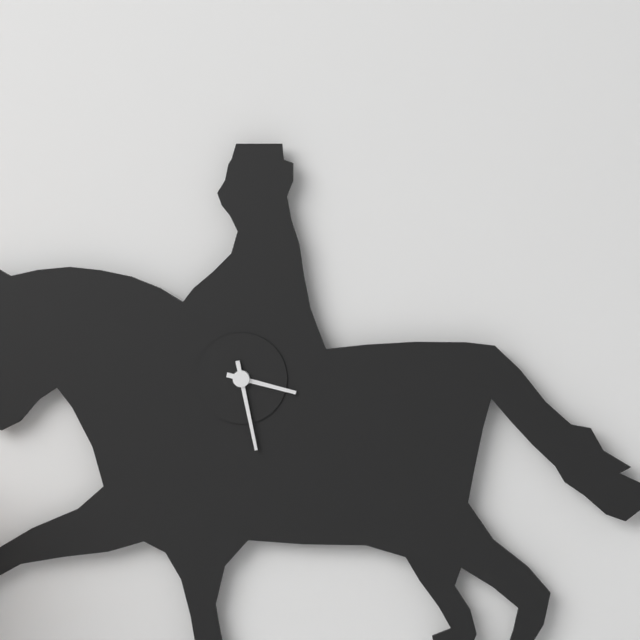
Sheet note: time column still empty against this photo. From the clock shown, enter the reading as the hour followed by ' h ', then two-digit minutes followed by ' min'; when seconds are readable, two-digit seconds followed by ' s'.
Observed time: 3 h 28 min
